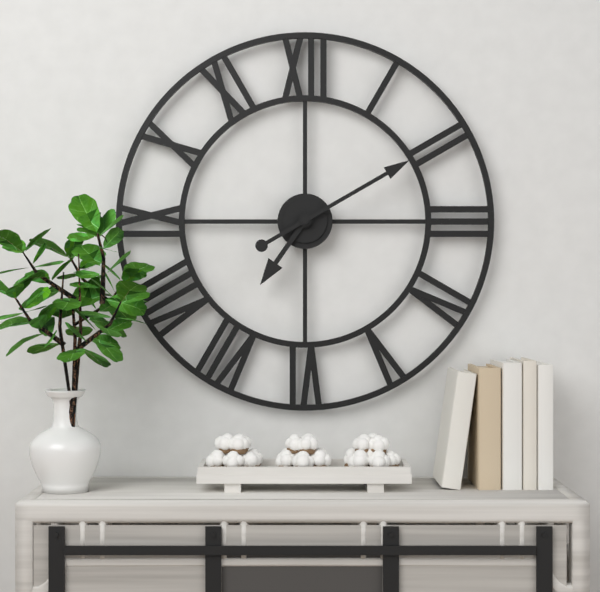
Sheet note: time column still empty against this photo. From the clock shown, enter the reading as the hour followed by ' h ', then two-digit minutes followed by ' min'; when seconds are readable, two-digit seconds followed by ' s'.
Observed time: 7 h 10 min
